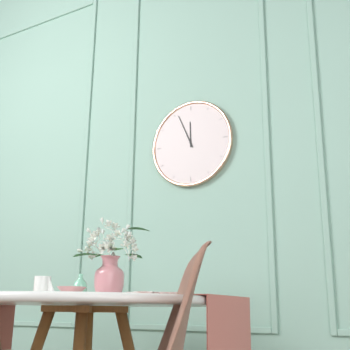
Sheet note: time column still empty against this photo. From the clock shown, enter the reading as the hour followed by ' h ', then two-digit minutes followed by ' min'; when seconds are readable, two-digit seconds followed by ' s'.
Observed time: 11 h 56 min
